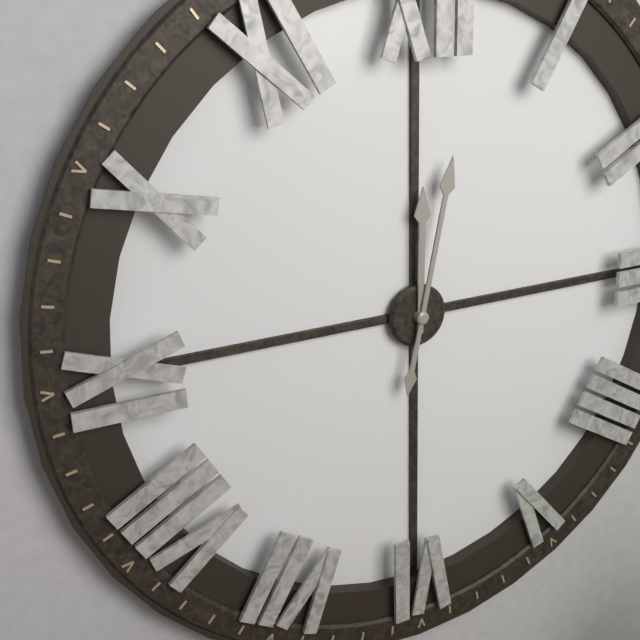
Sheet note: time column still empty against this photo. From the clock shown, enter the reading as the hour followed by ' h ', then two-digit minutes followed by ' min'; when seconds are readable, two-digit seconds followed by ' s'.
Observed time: 12 h 02 min
